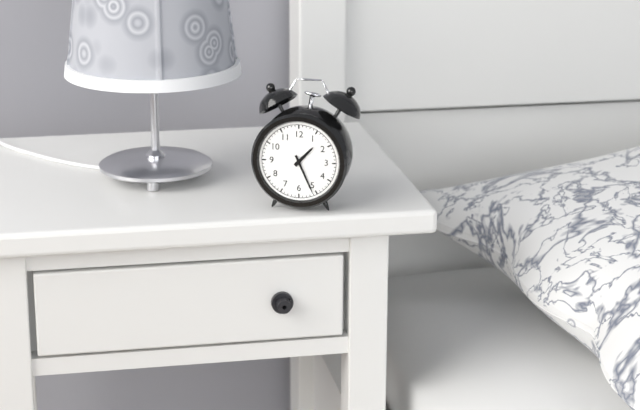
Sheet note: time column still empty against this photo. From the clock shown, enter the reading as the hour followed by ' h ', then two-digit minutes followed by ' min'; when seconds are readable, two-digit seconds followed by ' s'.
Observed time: 1 h 26 min
